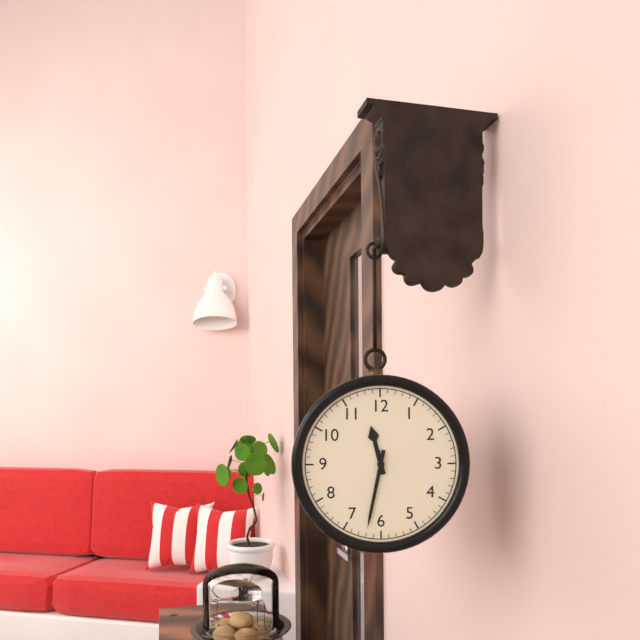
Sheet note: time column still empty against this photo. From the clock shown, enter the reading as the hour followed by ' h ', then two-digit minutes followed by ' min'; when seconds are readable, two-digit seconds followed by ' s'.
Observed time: 11 h 32 min
